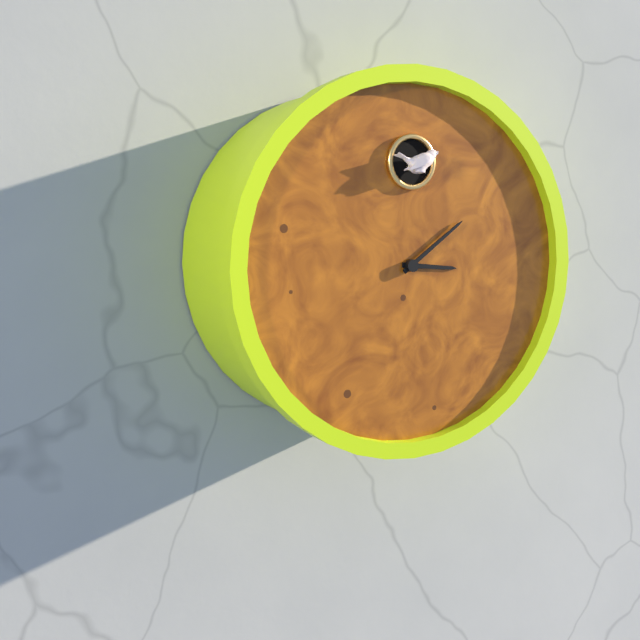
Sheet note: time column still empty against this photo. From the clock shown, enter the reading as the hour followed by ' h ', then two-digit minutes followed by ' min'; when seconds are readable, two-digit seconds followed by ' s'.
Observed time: 3 h 09 min
